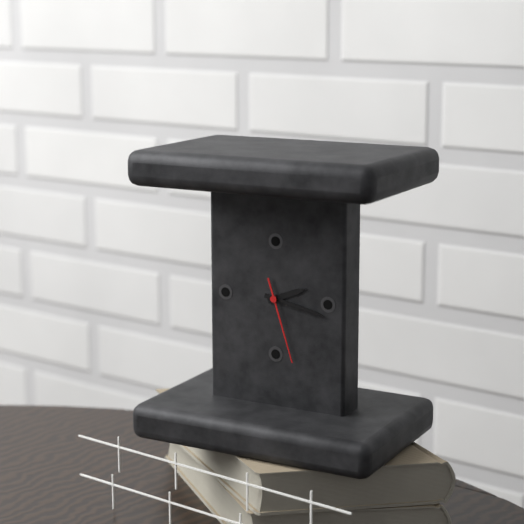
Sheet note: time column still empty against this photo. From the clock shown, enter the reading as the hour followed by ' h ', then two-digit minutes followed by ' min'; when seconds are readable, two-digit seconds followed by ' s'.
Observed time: 2 h 17 min 27 s
